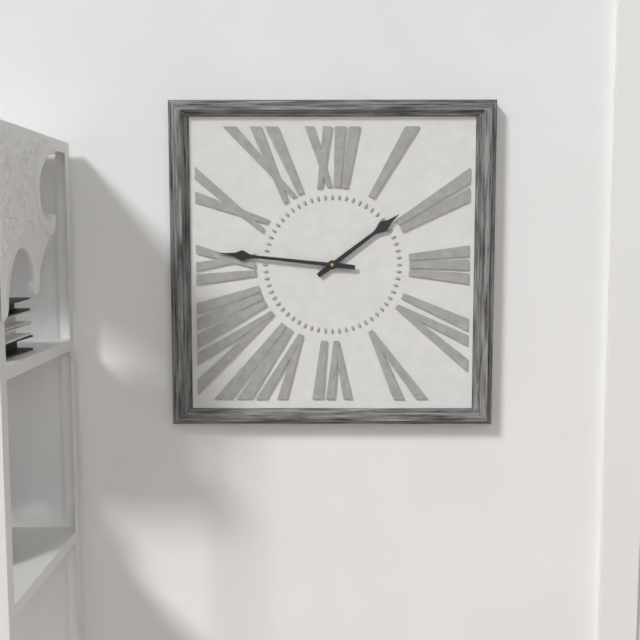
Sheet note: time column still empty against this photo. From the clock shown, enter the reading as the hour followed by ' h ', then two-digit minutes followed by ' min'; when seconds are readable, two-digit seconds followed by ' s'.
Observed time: 1 h 46 min
